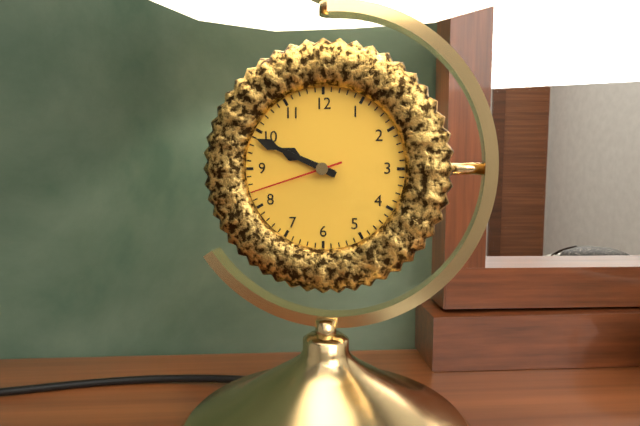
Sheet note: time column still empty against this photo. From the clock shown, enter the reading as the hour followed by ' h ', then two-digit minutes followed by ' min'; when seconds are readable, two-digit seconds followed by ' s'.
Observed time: 9 h 49 min 42 s
